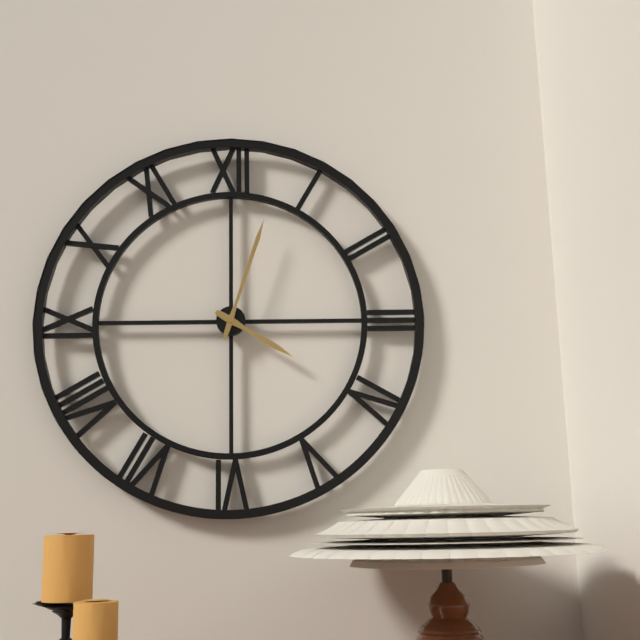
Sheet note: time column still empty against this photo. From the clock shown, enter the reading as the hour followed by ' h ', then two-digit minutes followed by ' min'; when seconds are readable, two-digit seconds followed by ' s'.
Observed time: 4 h 03 min
